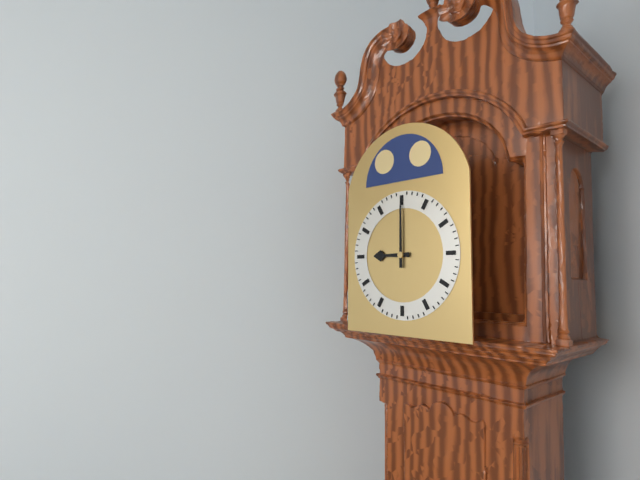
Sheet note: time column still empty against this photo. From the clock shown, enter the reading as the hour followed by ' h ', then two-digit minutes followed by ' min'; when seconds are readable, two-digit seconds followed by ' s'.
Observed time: 9 h 00 min
